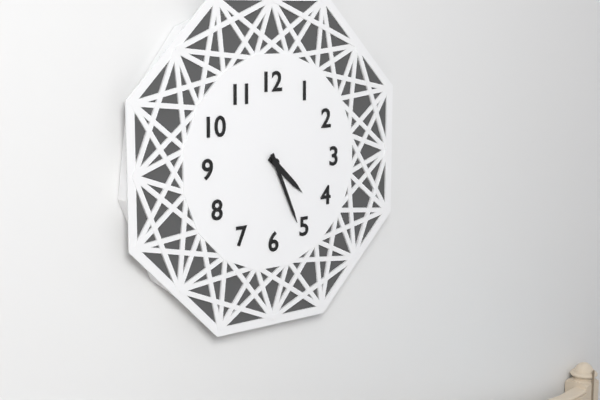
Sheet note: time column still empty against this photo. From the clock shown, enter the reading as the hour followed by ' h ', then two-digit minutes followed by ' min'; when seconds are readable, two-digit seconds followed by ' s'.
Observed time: 4 h 26 min
